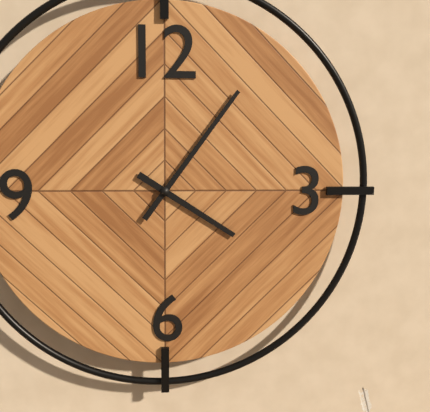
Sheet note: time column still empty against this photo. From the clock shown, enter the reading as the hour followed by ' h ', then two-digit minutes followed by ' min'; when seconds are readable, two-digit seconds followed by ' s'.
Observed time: 4 h 06 min
